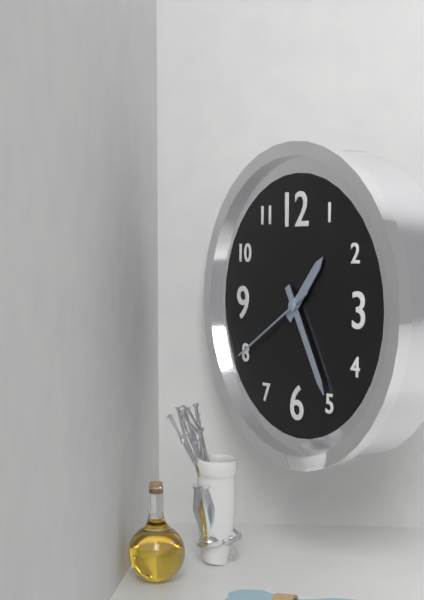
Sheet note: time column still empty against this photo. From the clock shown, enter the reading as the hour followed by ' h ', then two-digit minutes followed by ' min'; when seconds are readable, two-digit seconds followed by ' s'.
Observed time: 1 h 25 min 40 s
